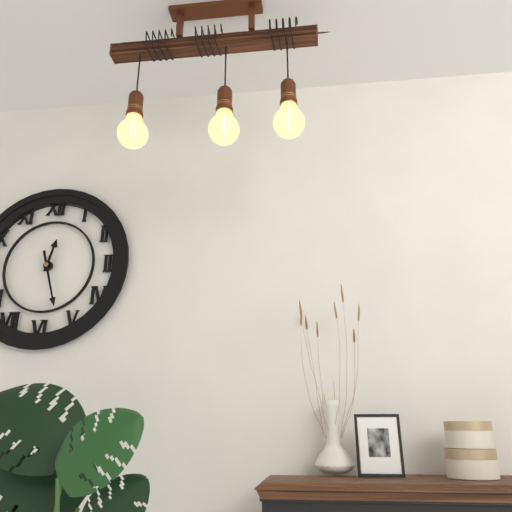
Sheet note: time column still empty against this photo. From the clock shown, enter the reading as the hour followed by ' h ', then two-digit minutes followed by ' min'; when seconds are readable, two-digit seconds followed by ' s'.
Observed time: 12 h 27 min
